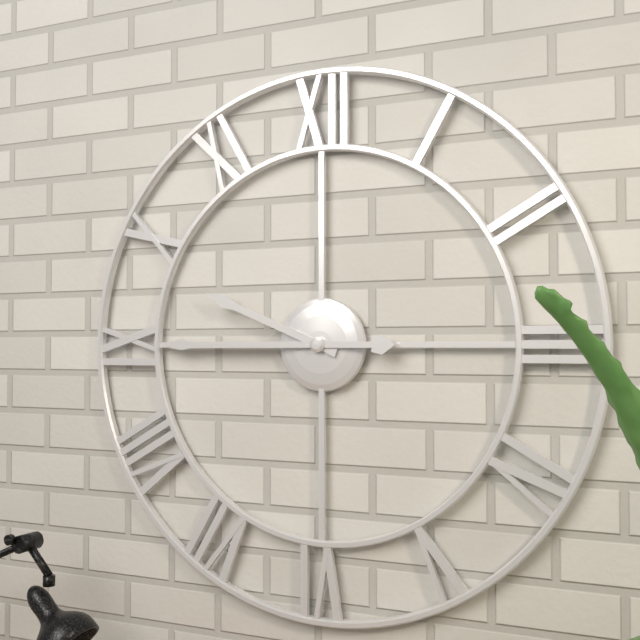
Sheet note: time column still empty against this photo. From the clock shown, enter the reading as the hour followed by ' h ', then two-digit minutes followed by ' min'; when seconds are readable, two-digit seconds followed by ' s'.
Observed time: 9 h 45 min
